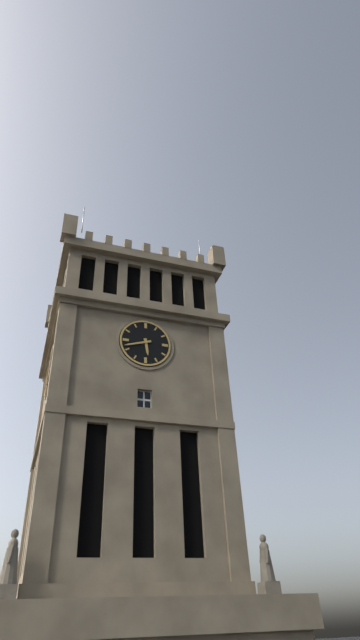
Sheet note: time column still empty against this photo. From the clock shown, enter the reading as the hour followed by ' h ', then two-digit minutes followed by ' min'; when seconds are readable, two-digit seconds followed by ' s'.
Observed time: 5 h 42 min
